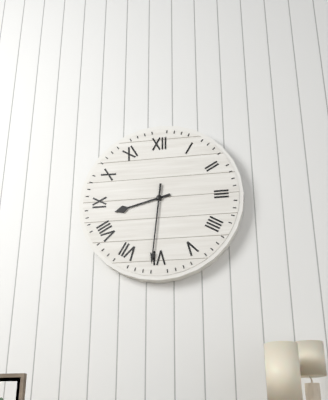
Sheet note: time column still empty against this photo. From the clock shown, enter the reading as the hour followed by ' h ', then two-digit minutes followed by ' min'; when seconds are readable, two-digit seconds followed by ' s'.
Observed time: 8 h 31 min
